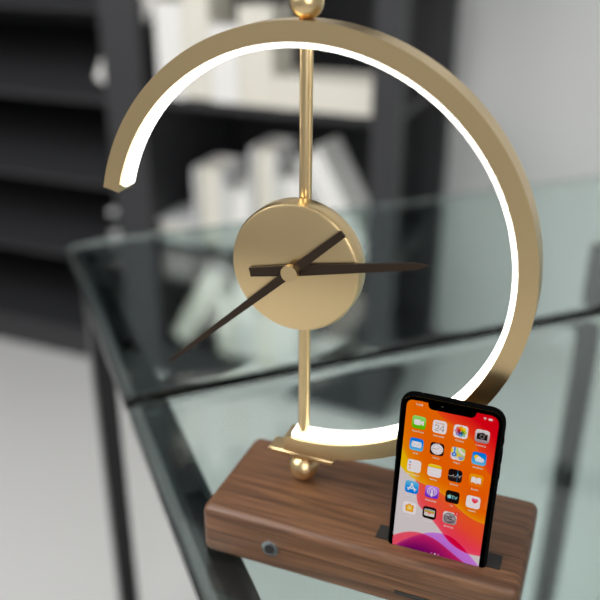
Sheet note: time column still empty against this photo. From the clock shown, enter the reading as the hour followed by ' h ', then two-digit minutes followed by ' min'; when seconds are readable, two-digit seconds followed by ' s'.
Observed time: 2 h 38 min
